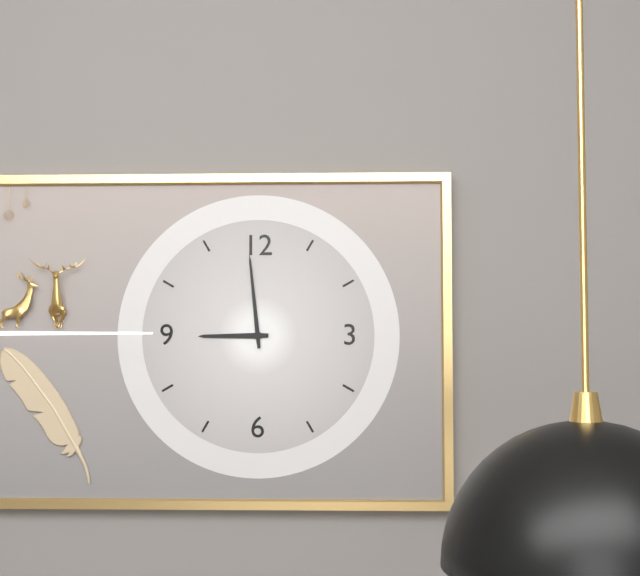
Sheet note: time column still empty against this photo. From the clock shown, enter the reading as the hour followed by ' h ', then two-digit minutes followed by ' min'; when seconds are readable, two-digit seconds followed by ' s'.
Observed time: 8 h 59 min
